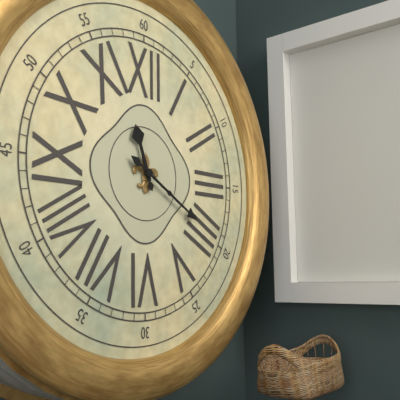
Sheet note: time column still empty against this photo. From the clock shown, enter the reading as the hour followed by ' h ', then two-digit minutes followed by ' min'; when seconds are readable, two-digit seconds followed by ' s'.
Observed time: 11 h 20 min
